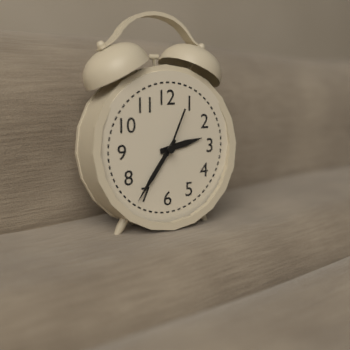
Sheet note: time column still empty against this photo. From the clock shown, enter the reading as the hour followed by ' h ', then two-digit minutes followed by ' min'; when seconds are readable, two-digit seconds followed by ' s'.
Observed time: 2 h 36 min 04 s
